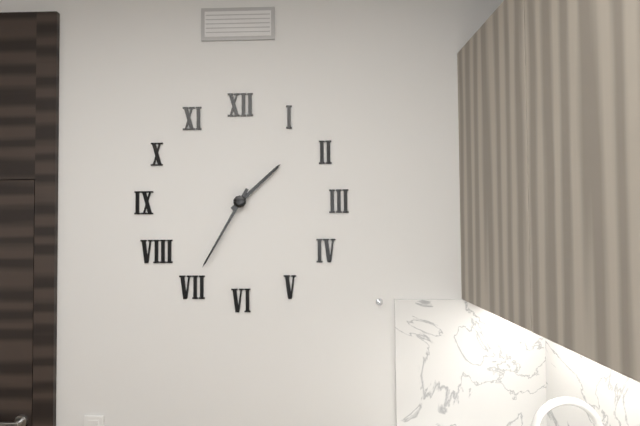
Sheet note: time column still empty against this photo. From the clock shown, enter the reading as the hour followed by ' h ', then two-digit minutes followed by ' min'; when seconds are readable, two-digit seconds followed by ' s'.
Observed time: 1 h 35 min
